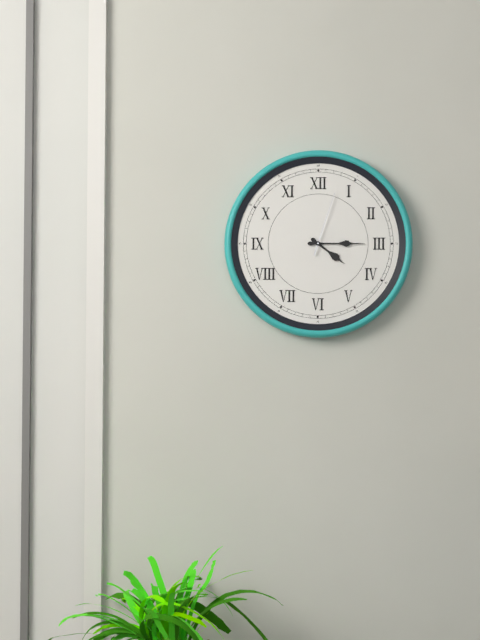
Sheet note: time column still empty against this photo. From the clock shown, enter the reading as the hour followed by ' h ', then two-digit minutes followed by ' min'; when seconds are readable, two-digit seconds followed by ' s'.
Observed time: 4 h 15 min 03 s
